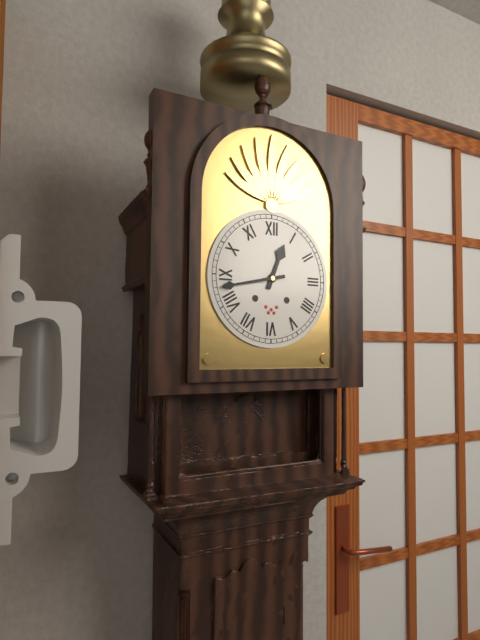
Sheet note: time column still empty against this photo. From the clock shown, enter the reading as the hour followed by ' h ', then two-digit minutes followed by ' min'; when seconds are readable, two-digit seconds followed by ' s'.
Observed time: 12 h 43 min
